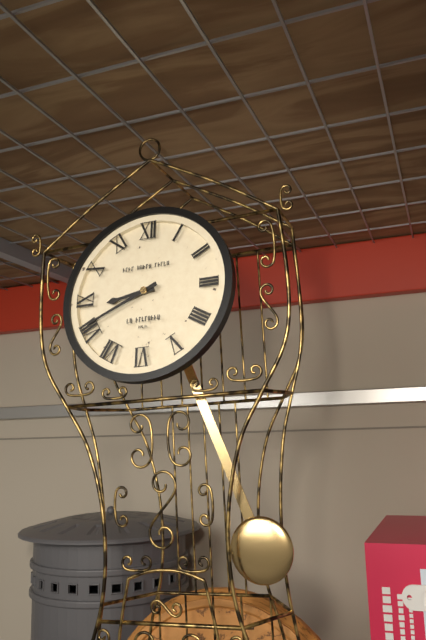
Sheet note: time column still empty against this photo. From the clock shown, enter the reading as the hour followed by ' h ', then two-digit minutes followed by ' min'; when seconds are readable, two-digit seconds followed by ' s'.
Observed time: 8 h 41 min
